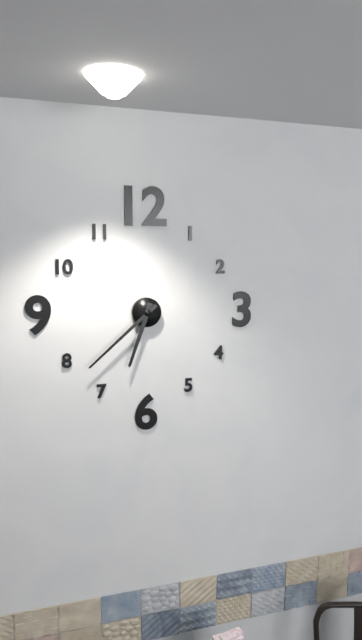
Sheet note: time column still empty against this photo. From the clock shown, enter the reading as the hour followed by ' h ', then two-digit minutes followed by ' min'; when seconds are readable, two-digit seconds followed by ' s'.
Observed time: 6 h 38 min
